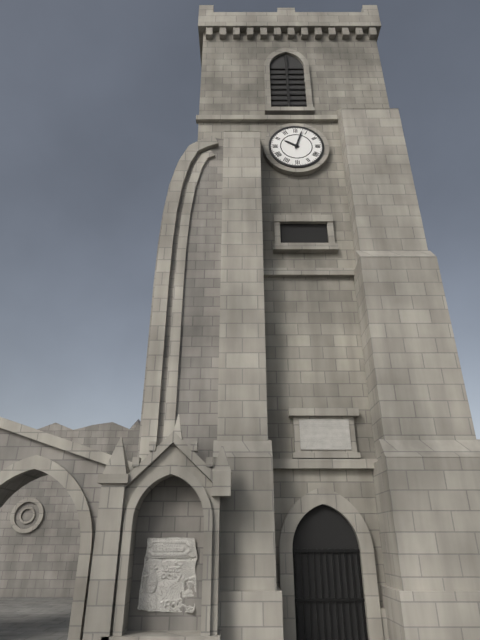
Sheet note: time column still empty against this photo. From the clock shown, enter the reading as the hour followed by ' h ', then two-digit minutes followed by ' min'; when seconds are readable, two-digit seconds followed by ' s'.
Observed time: 10 h 03 min
